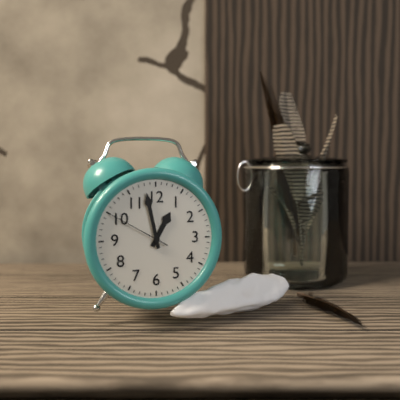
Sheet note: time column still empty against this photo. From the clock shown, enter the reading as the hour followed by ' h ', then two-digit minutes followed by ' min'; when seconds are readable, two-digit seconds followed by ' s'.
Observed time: 12 h 58 min 50 s
